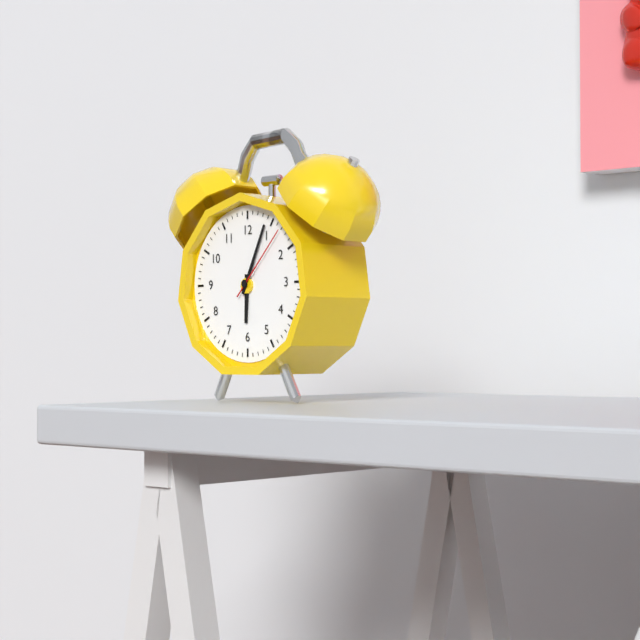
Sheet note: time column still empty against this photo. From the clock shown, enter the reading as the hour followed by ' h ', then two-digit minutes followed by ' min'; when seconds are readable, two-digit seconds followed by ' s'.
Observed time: 6 h 04 min 07 s
